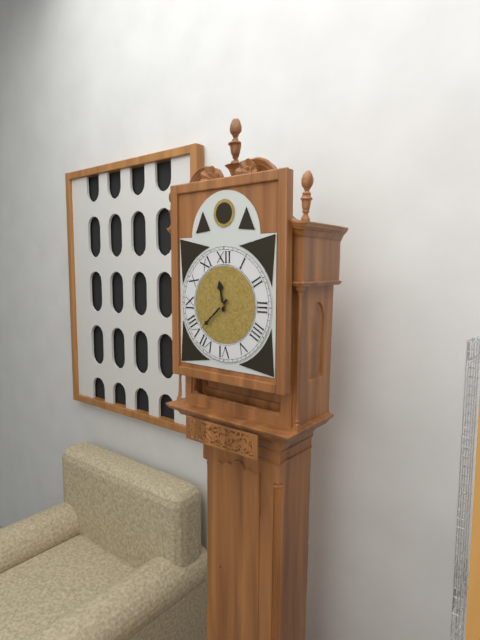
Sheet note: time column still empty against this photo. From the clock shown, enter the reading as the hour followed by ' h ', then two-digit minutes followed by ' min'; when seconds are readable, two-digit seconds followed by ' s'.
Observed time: 11 h 38 min
